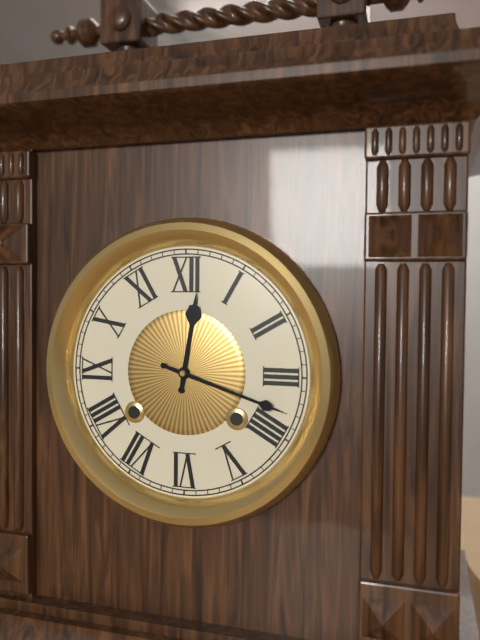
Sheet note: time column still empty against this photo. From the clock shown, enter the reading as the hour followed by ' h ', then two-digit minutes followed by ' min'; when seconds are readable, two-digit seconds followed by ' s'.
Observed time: 12 h 18 min
